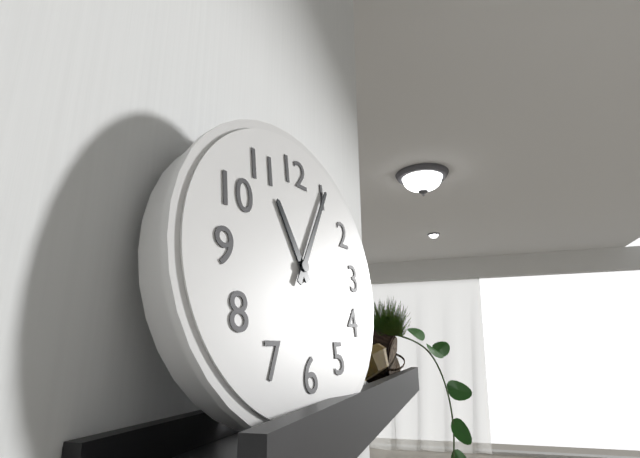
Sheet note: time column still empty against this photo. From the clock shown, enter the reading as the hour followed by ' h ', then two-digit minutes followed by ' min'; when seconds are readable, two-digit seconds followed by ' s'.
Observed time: 11 h 05 min
